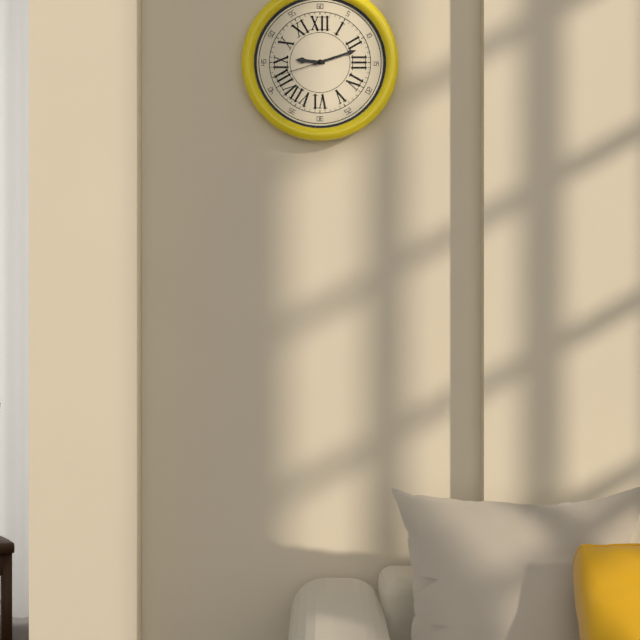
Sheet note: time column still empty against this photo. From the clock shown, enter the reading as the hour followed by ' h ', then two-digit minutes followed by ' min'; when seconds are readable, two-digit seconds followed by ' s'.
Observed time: 9 h 12 min 42 s
